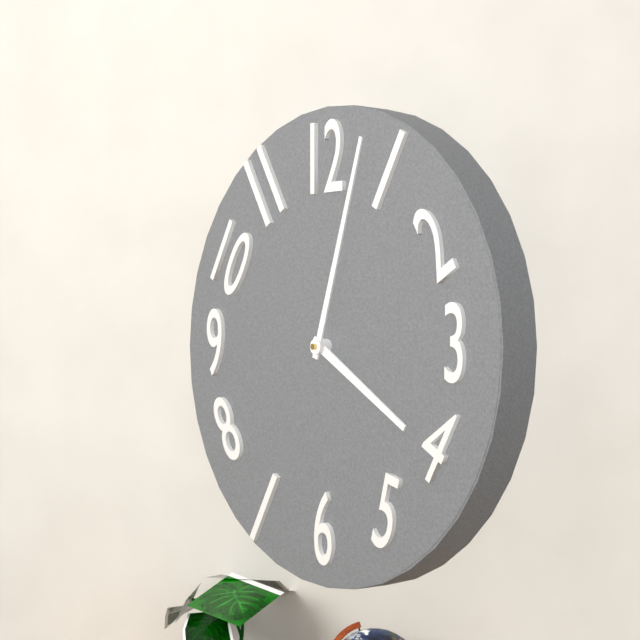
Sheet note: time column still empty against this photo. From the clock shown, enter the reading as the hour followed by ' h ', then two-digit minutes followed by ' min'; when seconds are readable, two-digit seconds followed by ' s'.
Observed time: 4 h 03 min
